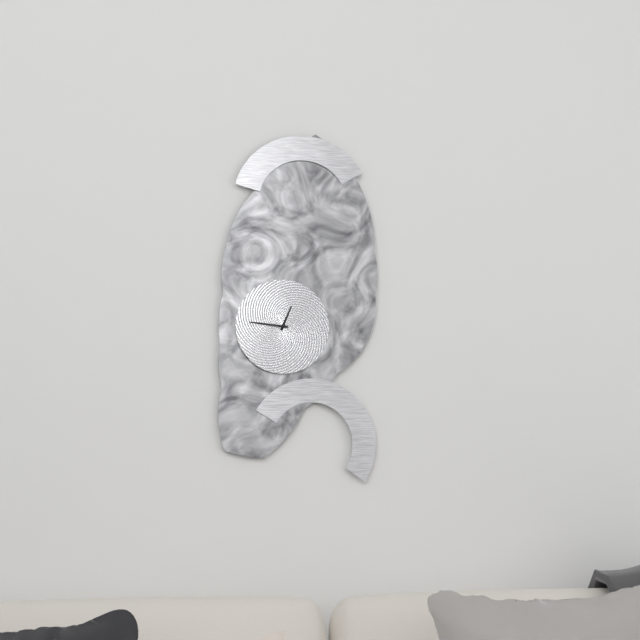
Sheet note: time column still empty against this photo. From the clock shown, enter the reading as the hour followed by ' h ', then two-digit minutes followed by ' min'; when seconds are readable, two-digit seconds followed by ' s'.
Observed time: 12 h 46 min
